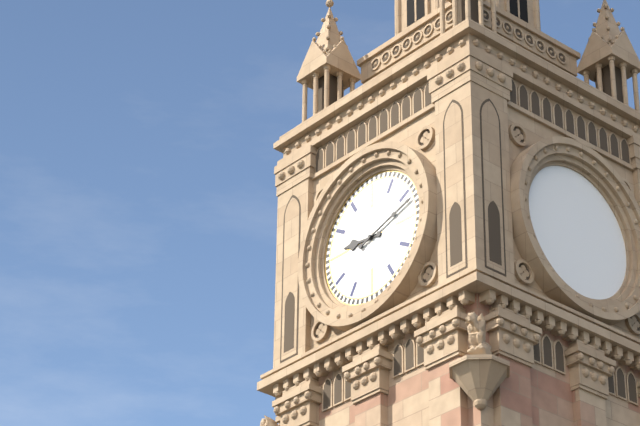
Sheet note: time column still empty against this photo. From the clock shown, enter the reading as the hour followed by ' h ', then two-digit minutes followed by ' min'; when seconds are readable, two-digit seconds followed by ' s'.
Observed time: 9 h 12 min
